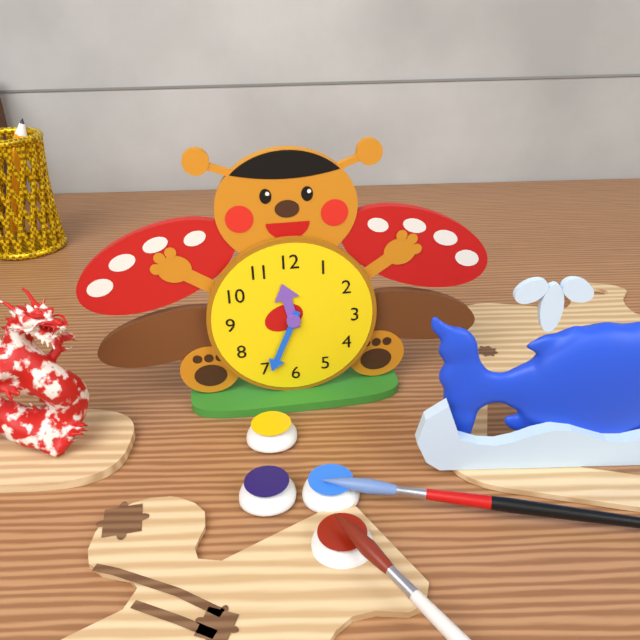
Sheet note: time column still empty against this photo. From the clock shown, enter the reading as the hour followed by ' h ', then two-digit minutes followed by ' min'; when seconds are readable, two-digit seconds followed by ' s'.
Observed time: 11 h 34 min
